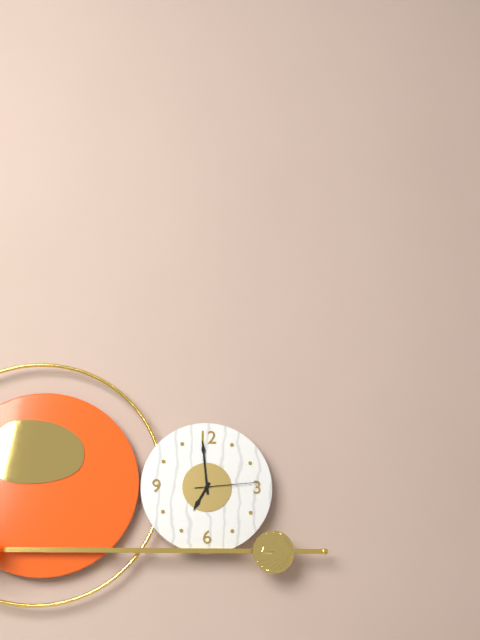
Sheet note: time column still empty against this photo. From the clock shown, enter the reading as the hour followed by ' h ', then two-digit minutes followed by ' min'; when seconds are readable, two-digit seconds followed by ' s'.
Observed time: 6 h 59 min 14 s
